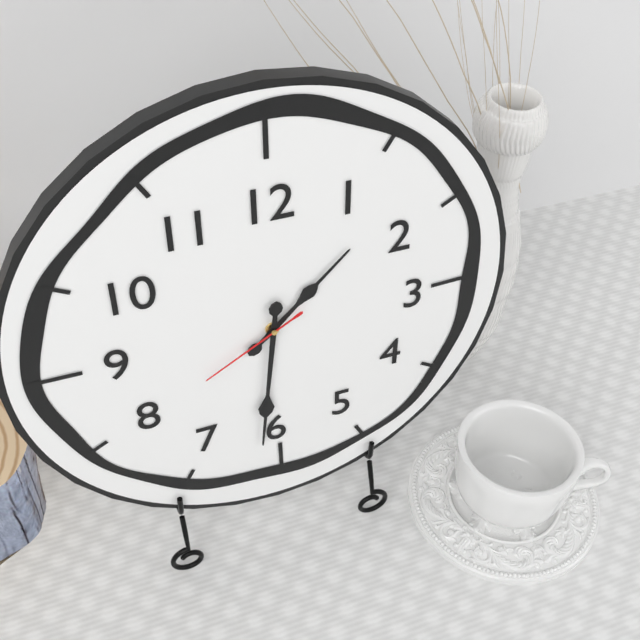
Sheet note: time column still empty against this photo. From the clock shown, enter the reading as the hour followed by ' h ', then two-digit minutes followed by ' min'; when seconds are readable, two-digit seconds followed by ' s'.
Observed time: 1 h 31 min 40 s
